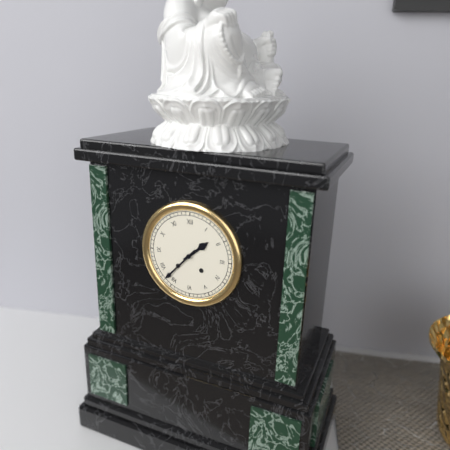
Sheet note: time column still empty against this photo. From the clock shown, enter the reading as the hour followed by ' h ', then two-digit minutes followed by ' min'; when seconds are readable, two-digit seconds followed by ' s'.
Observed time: 1 h 37 min
